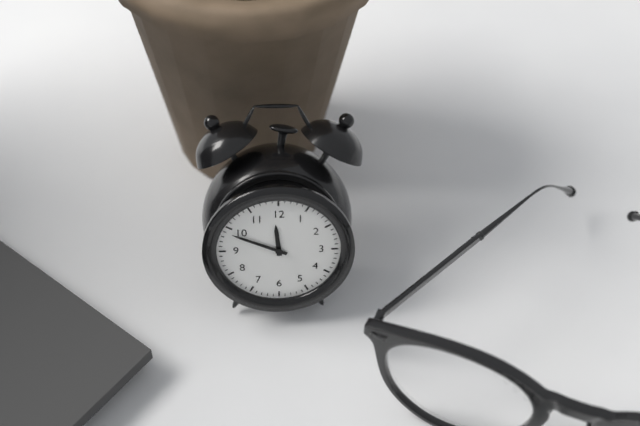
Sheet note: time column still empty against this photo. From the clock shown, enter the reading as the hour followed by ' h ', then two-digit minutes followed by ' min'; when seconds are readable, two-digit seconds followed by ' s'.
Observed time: 11 h 49 min
